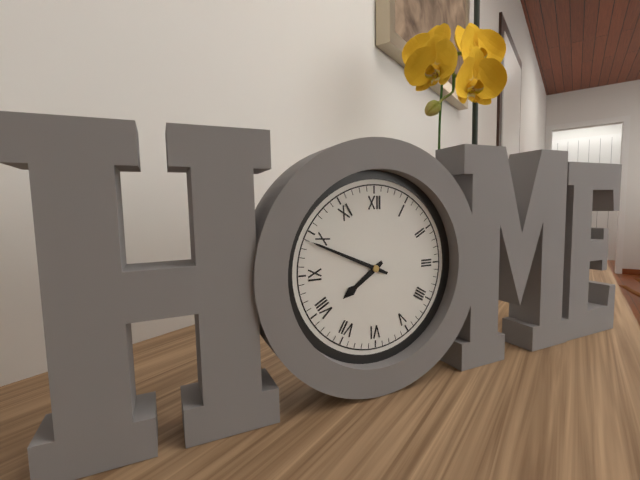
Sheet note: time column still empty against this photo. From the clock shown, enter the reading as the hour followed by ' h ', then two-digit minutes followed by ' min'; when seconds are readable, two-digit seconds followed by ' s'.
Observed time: 7 h 49 min
